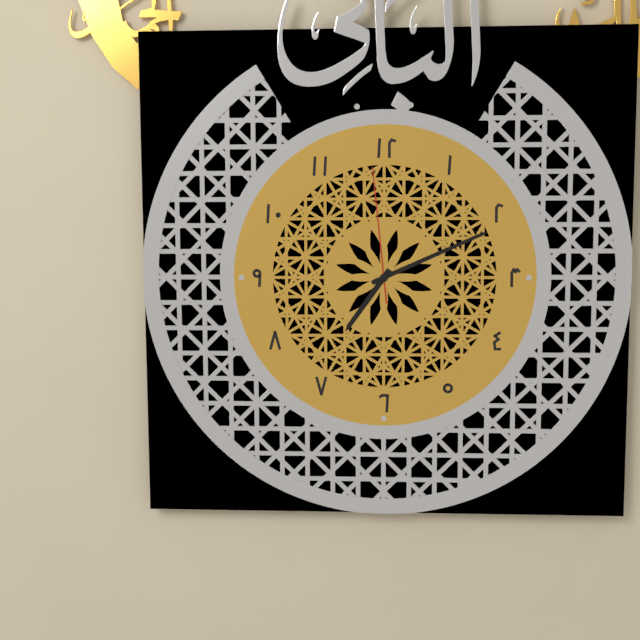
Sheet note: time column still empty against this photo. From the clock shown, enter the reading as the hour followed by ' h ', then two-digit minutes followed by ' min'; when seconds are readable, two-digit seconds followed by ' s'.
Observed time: 7 h 11 min 59 s
